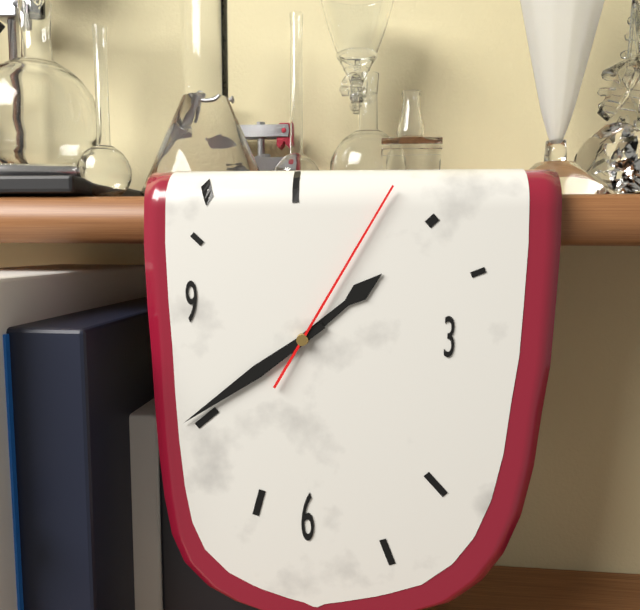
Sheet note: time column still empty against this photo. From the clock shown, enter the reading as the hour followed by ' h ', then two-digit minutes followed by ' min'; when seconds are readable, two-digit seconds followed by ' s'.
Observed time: 1 h 39 min 05 s
